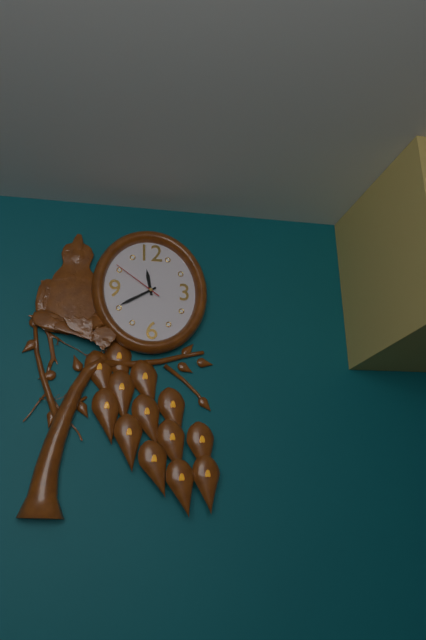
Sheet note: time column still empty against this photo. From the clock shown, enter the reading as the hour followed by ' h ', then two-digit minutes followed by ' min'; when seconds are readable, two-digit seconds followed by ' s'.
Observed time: 11 h 40 min 51 s
